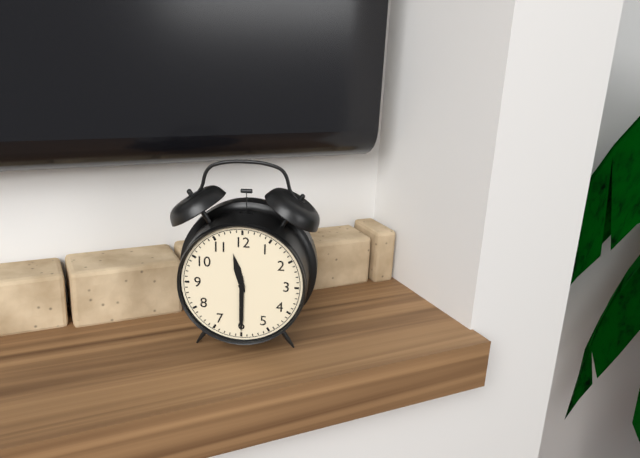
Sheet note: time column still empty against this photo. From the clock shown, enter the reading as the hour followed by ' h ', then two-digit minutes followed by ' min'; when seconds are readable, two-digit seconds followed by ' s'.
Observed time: 11 h 30 min
